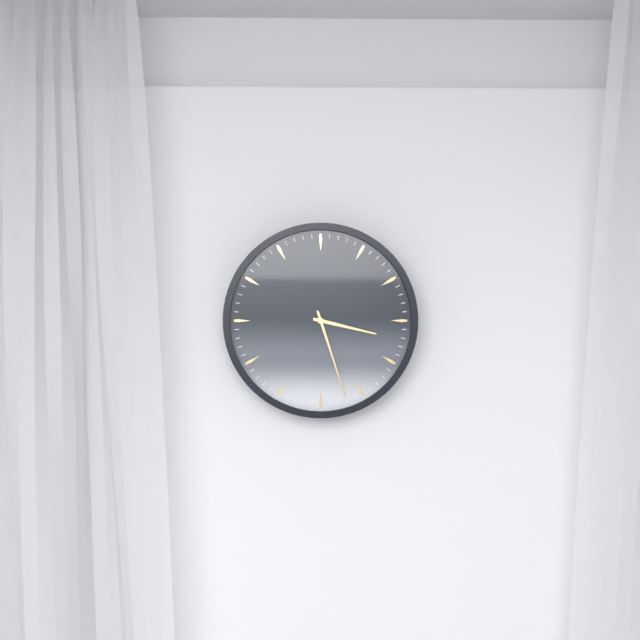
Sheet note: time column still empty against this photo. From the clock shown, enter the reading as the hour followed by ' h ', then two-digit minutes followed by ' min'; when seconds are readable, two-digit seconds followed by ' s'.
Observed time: 3 h 27 min
